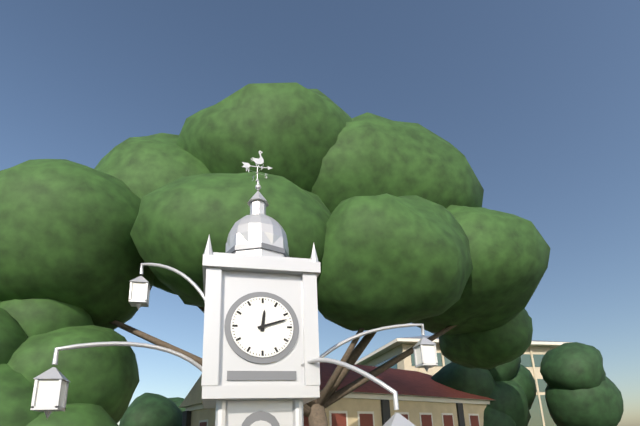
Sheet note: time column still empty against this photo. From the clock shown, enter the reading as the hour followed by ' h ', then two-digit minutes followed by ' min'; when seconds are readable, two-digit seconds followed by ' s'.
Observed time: 12 h 12 min
